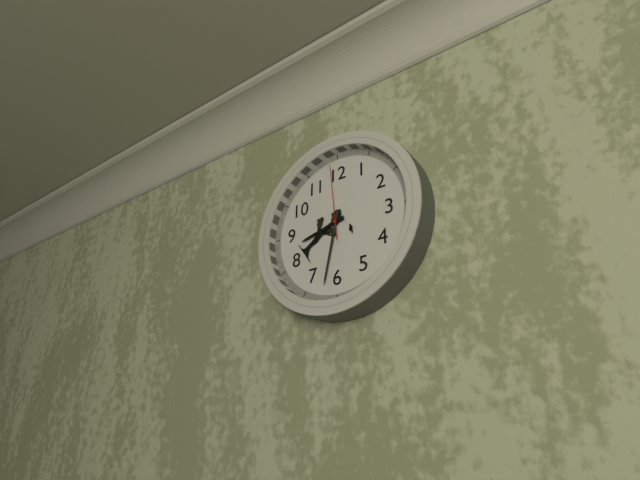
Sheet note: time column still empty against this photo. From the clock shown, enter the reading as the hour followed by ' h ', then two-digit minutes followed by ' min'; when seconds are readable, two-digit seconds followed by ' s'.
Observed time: 8 h 32 min 59 s
